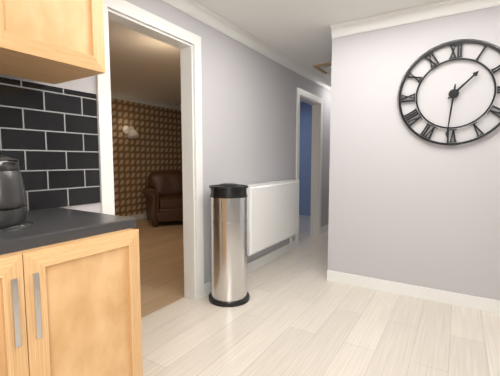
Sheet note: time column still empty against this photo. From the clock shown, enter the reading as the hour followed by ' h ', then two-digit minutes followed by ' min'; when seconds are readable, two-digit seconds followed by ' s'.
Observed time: 1 h 31 min
